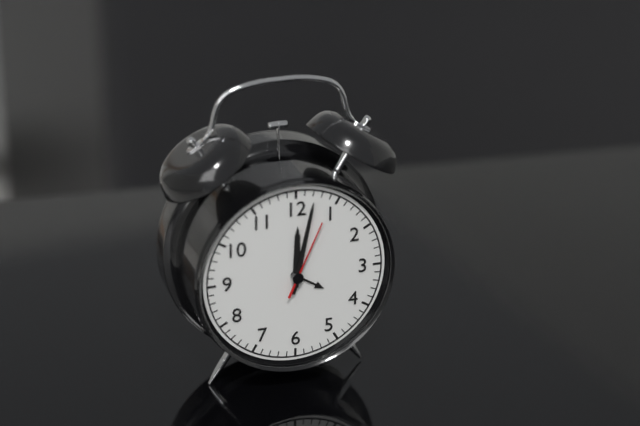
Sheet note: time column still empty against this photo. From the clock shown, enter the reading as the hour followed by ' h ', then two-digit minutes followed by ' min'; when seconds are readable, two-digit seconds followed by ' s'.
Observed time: 12 h 02 min 04 s
